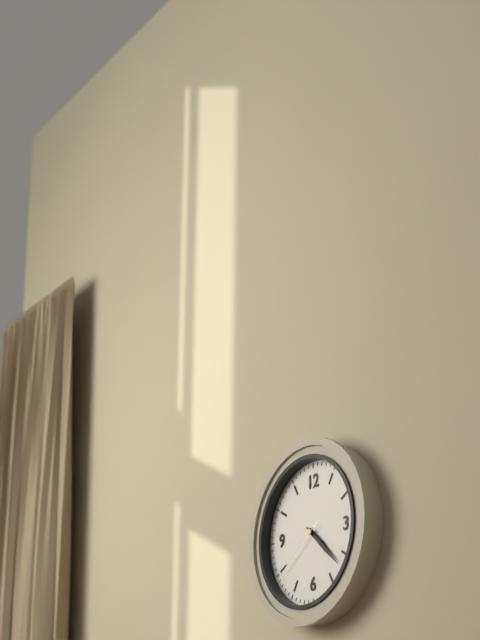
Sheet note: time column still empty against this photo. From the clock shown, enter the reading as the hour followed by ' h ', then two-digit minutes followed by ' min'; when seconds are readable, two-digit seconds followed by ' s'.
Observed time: 4 h 22 min 39 s
